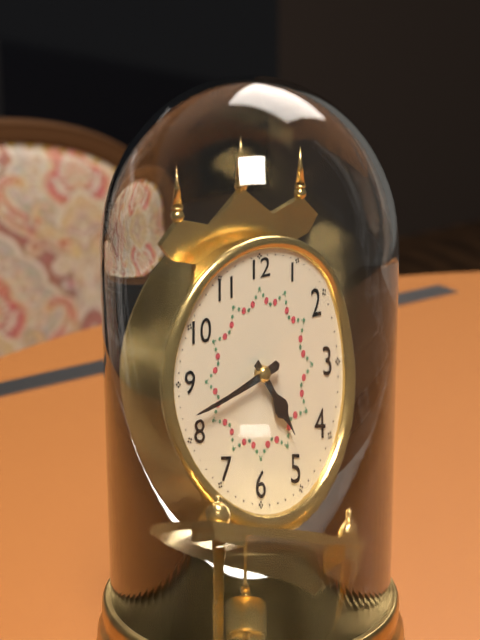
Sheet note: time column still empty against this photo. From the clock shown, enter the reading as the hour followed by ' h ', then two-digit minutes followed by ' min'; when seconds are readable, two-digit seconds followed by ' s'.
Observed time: 4 h 42 min
